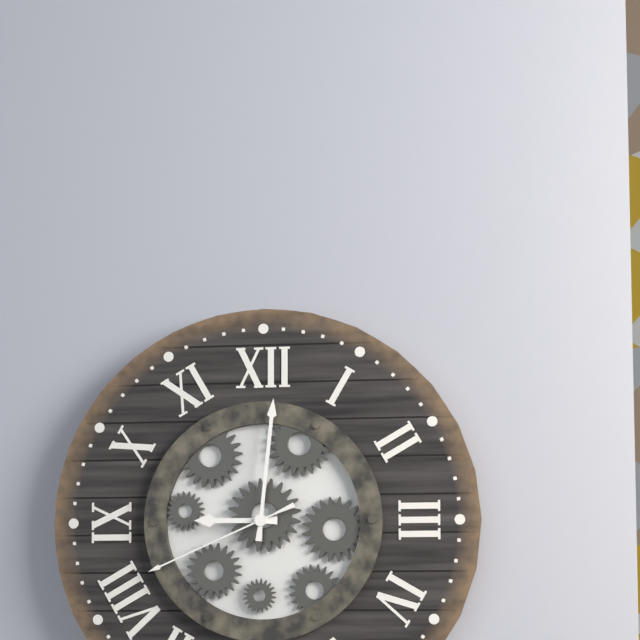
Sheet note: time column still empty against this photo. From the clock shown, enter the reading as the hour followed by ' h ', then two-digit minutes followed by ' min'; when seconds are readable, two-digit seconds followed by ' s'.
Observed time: 9 h 01 min 41 s
